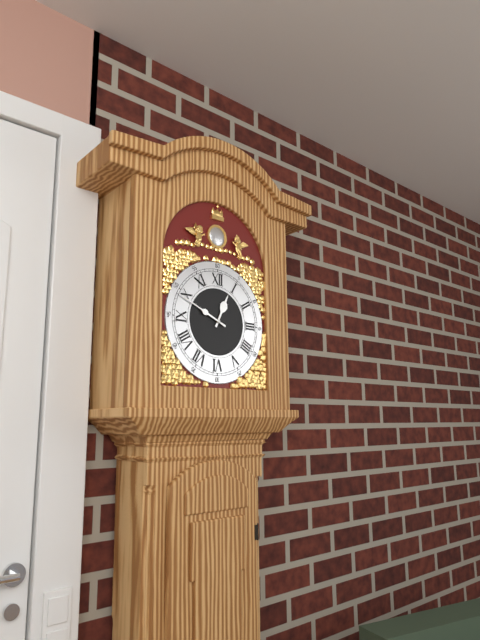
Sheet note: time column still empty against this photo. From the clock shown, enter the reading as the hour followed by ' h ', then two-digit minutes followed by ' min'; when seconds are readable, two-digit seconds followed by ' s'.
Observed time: 12 h 49 min
